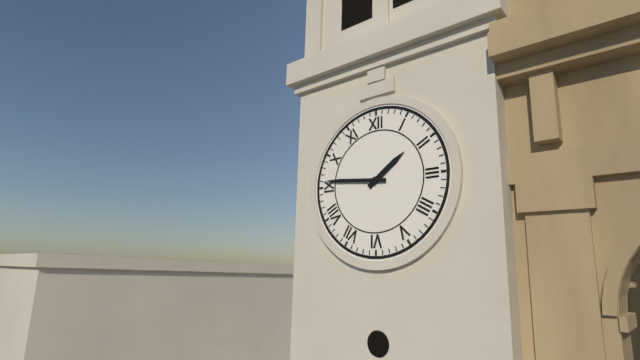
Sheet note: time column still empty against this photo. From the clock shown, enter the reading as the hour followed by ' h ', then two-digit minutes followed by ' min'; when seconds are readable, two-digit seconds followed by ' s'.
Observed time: 1 h 46 min
